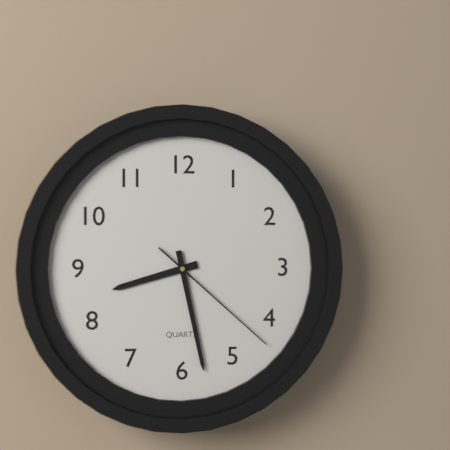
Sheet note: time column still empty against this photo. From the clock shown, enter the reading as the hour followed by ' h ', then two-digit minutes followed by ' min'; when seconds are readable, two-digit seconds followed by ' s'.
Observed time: 8 h 28 min 22 s
